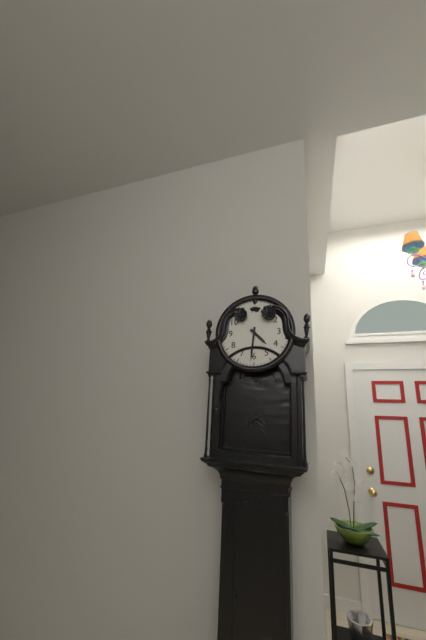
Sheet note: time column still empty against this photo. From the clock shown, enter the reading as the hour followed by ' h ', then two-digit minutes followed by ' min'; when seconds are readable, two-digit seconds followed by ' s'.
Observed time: 4 h 31 min
